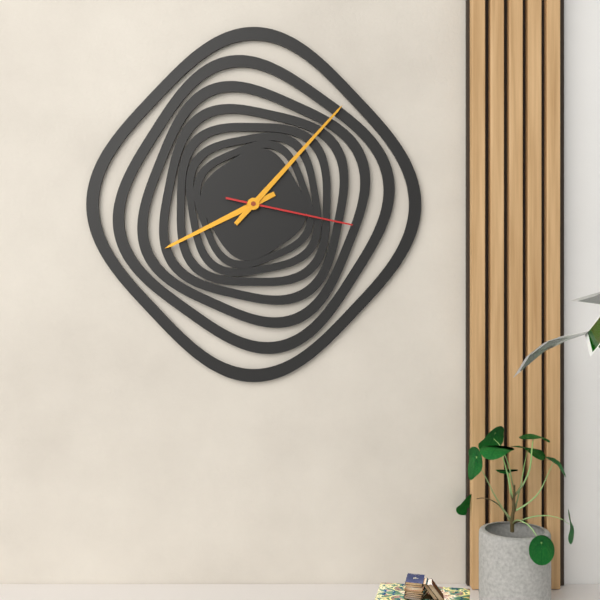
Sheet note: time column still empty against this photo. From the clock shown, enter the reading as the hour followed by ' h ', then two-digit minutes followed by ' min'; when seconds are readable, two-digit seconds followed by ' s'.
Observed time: 8 h 07 min 17 s
